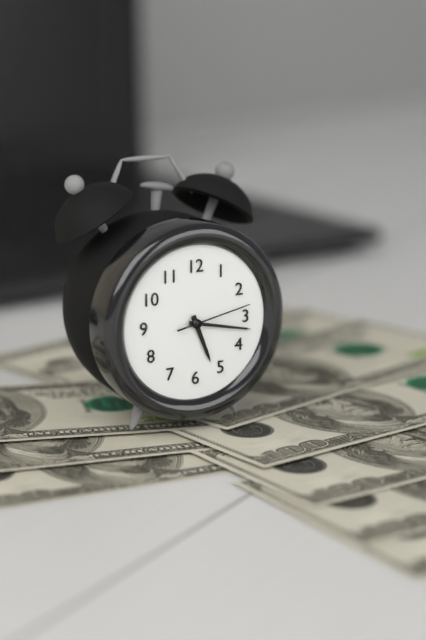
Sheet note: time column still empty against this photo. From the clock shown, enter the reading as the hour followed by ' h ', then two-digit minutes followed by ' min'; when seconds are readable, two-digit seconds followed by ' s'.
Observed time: 5 h 17 min 13 s
